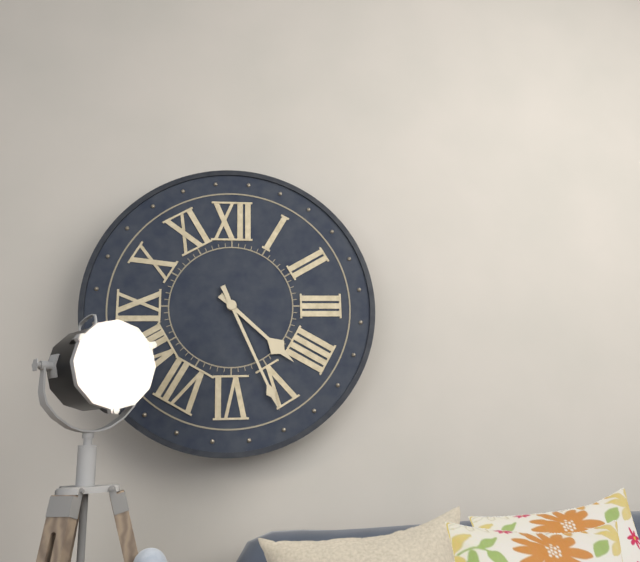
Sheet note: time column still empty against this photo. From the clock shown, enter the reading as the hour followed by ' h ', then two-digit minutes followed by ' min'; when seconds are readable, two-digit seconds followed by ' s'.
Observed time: 4 h 26 min
